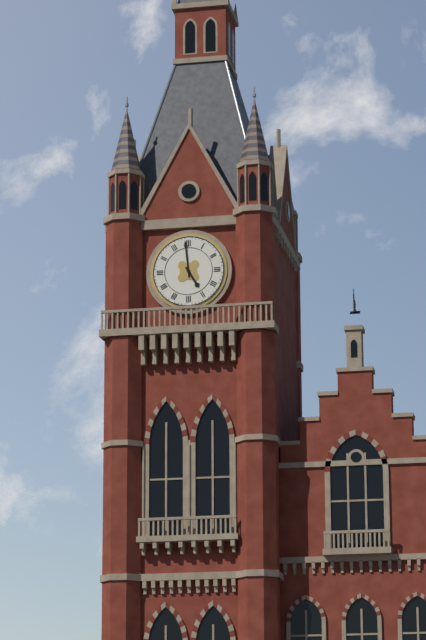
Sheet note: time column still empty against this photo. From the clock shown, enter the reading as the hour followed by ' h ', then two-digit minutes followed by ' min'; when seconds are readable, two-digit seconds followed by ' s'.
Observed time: 4 h 59 min
